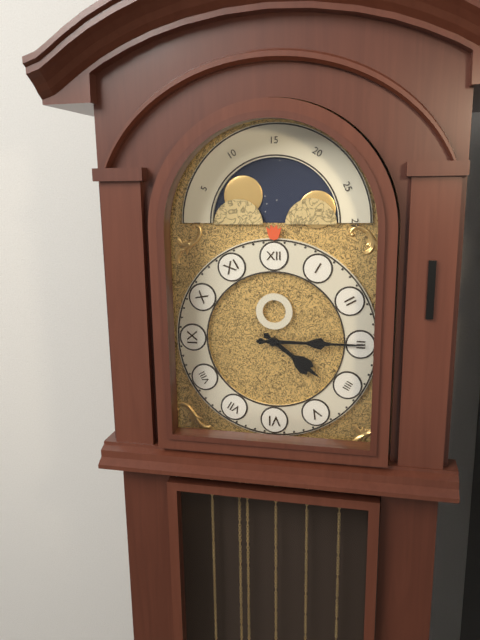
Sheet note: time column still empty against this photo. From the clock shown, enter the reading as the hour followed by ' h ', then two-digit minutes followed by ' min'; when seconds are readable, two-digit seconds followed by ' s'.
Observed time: 4 h 15 min
